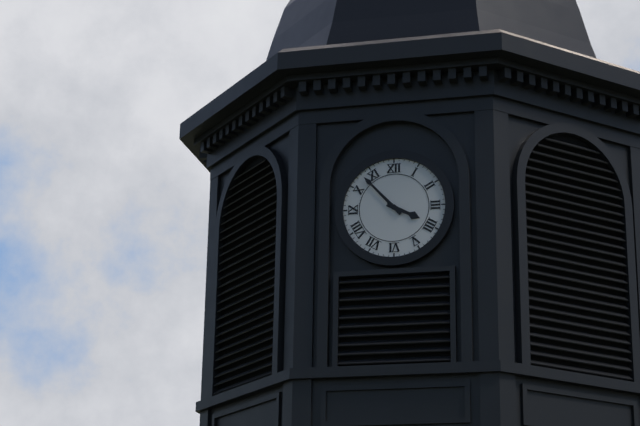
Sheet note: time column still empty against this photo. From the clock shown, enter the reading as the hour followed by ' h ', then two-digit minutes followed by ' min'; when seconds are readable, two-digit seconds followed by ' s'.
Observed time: 3 h 53 min
